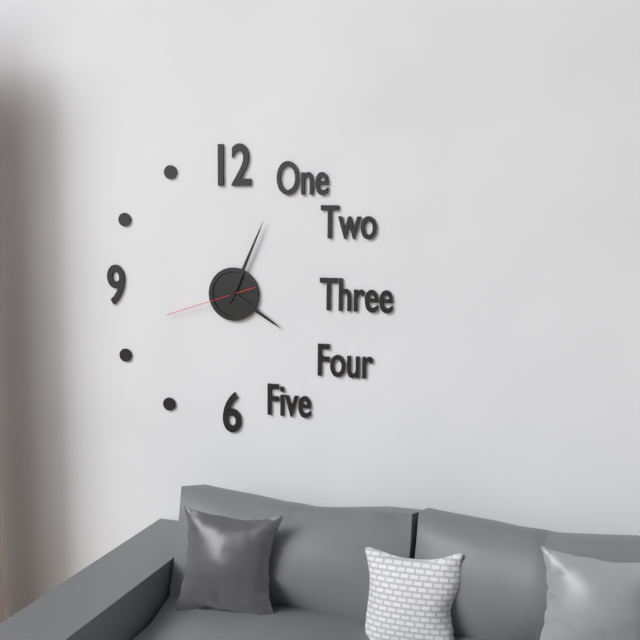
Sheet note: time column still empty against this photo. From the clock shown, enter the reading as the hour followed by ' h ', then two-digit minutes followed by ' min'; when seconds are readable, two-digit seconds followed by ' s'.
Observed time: 4 h 04 min 42 s
